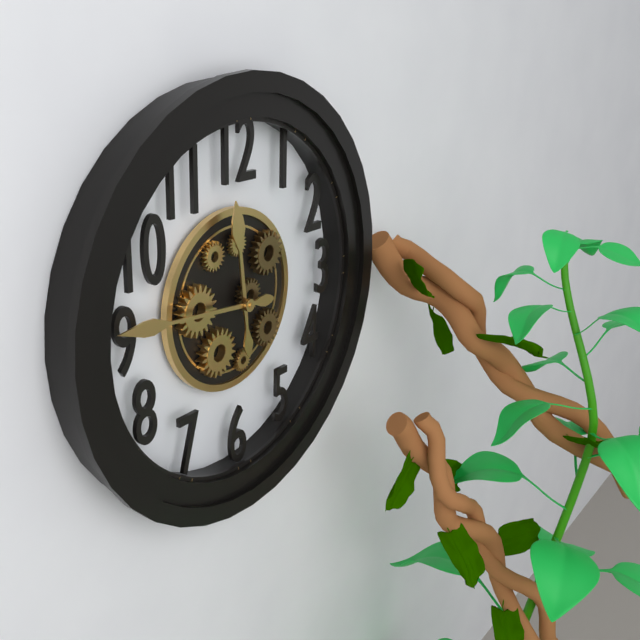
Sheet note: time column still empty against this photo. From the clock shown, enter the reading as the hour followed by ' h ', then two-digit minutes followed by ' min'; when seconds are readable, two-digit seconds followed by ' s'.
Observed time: 11 h 46 min
